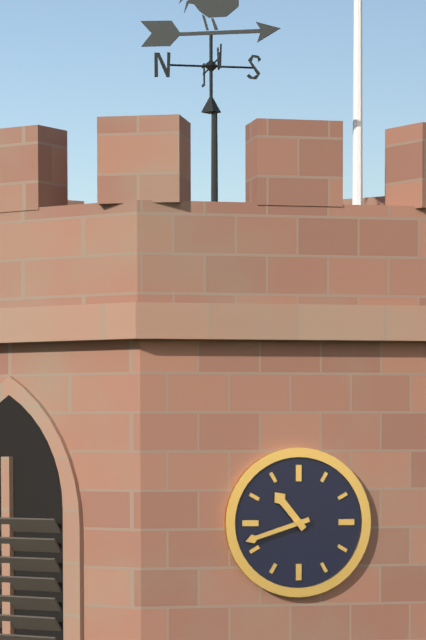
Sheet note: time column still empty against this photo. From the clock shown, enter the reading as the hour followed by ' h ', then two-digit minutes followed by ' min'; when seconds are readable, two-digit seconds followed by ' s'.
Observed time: 10 h 42 min
